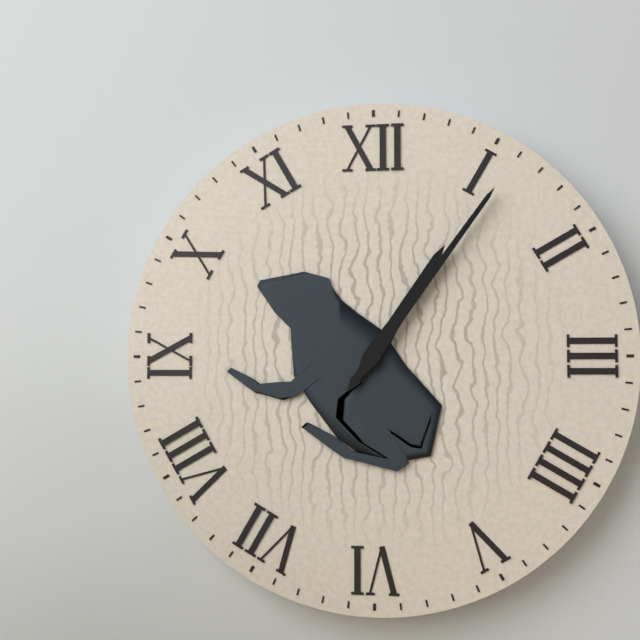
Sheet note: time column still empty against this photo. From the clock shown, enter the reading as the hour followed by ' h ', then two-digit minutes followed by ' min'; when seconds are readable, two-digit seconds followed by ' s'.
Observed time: 1 h 06 min
